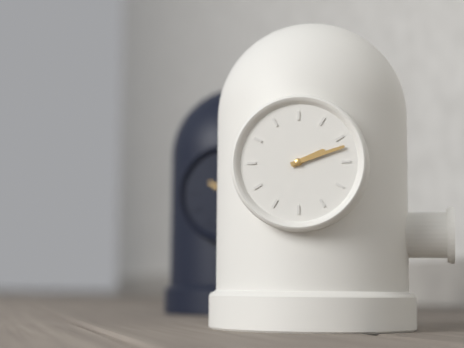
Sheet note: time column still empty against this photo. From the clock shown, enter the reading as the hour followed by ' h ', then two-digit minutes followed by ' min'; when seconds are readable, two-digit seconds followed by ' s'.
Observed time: 2 h 12 min
